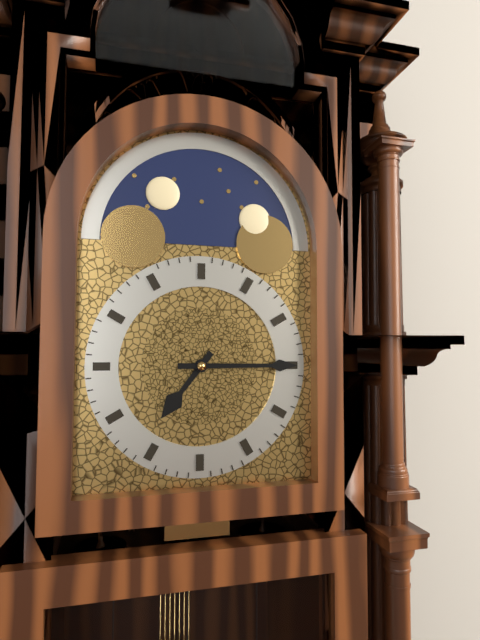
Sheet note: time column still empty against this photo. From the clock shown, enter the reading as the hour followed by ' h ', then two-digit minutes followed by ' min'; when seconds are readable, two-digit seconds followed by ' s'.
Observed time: 7 h 15 min
